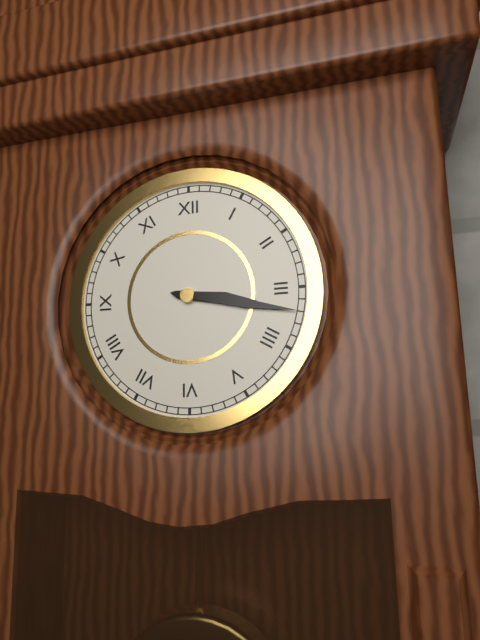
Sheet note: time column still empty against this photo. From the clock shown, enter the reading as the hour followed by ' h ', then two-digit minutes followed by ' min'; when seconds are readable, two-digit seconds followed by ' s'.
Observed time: 3 h 17 min
